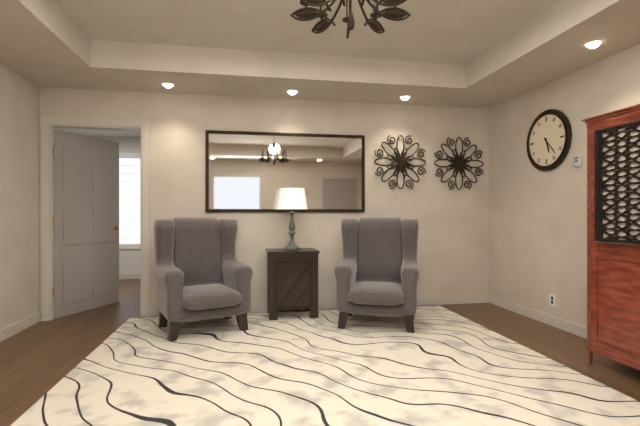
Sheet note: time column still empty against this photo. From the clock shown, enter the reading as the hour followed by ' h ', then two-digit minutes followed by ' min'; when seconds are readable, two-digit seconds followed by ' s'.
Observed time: 5 h 23 min
